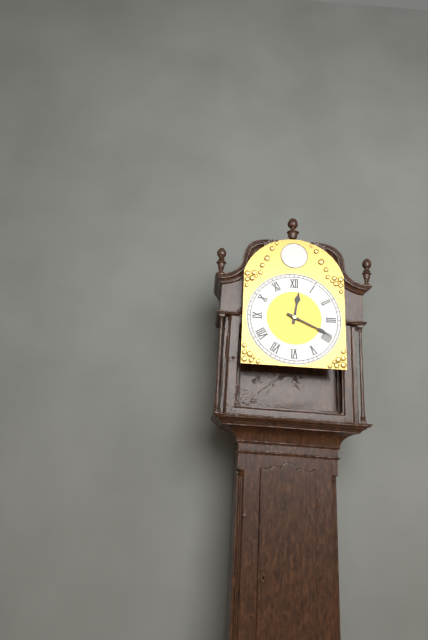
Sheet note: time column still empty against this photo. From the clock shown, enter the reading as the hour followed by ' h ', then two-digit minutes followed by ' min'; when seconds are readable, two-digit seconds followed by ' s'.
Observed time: 12 h 19 min
